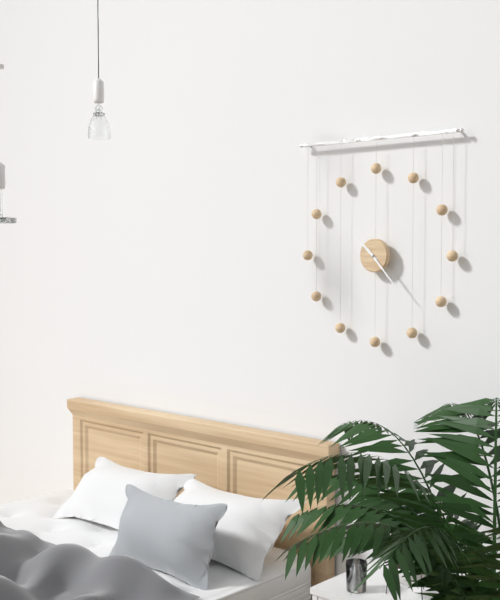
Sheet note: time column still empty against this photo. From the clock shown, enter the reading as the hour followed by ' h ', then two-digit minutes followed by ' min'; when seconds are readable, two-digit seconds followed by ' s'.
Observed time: 10 h 23 min
